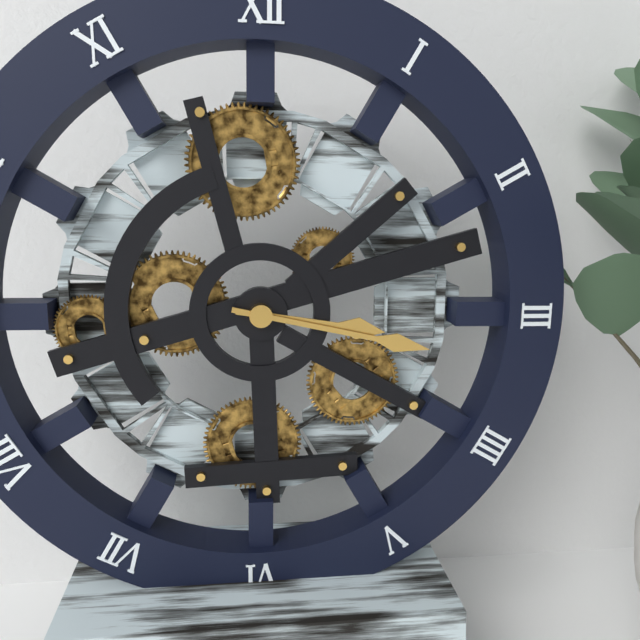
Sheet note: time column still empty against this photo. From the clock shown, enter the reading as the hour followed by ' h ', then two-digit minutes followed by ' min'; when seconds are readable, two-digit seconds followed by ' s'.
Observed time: 3 h 17 min
